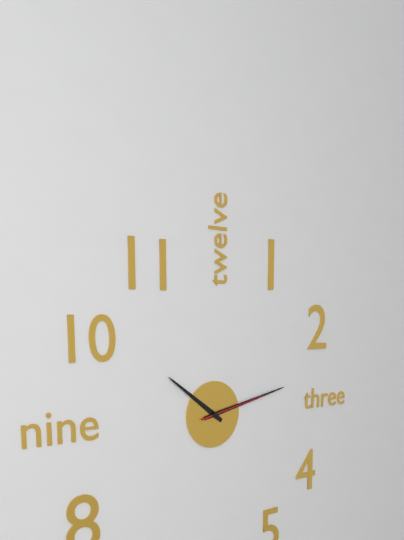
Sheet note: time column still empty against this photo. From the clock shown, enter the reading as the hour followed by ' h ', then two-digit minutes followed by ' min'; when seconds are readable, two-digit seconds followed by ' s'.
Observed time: 10 h 13 min 13 s
